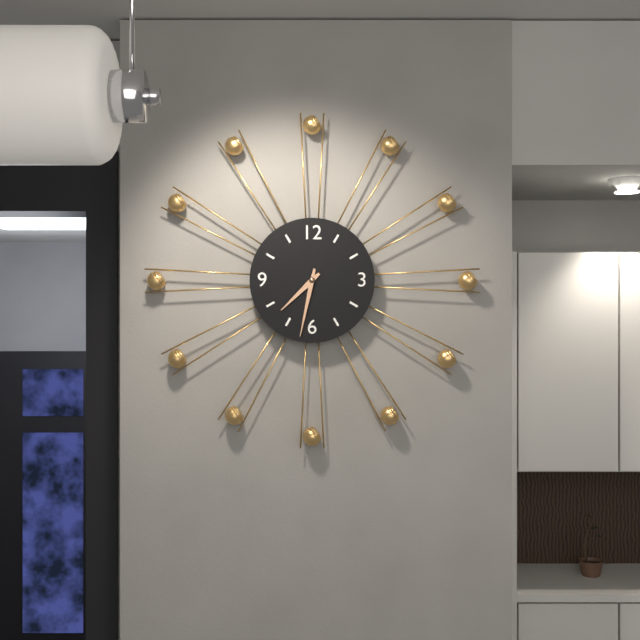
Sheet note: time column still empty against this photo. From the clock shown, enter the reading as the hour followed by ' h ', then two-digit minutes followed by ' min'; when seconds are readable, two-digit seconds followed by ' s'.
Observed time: 7 h 32 min
